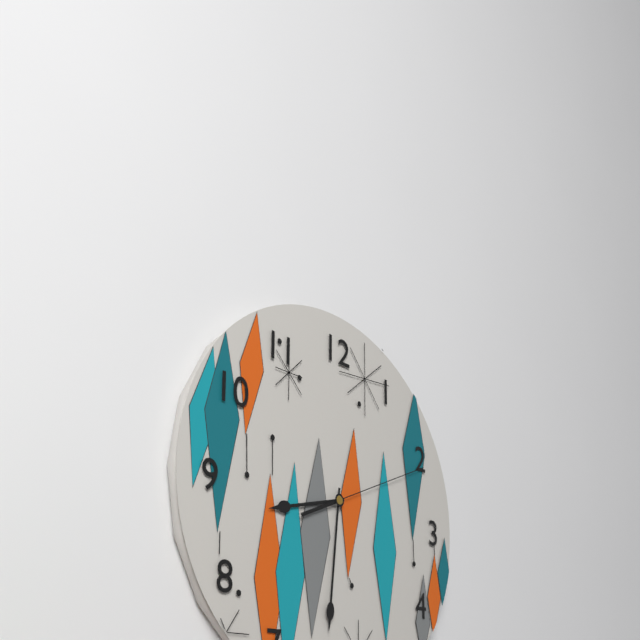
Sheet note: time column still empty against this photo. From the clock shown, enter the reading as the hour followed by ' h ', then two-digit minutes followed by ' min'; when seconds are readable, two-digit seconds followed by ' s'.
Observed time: 8 h 31 min 11 s
